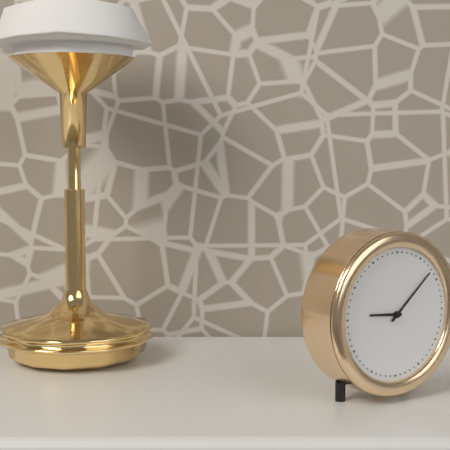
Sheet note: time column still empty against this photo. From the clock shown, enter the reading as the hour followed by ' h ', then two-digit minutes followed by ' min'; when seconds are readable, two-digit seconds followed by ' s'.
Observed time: 9 h 08 min
